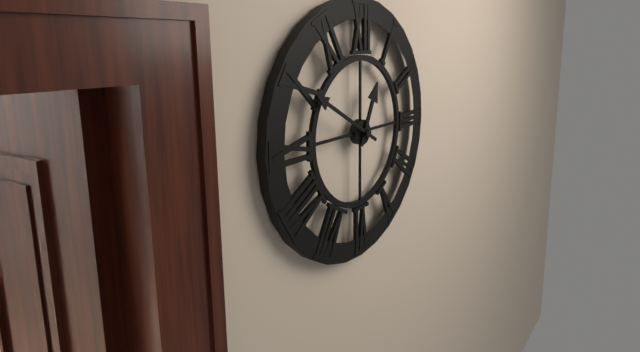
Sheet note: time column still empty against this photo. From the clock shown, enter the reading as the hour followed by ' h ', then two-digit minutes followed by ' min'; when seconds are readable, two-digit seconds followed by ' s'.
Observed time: 12 h 50 min
